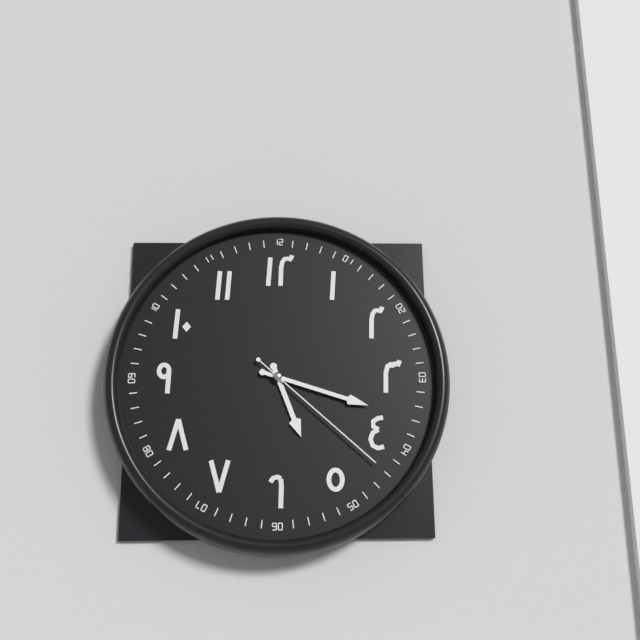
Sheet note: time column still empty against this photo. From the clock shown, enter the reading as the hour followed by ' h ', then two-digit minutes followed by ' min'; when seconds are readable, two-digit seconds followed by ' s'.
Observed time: 5 h 18 min 22 s
